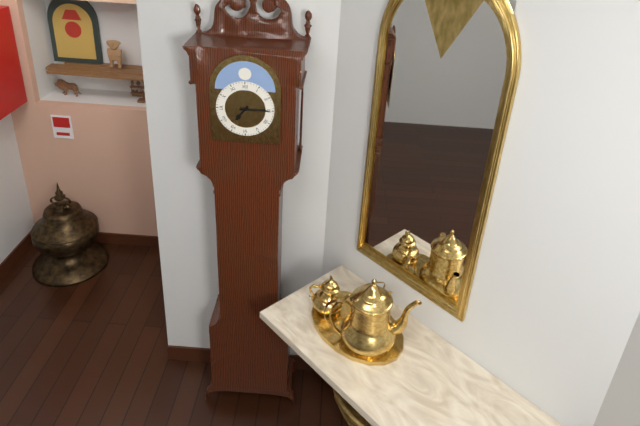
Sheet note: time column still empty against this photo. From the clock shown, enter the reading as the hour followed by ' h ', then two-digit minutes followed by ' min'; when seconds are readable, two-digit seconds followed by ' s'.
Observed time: 7 h 15 min
